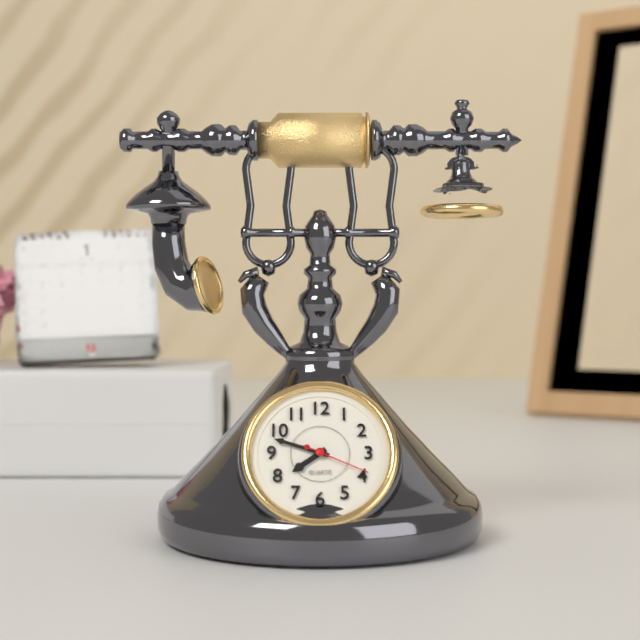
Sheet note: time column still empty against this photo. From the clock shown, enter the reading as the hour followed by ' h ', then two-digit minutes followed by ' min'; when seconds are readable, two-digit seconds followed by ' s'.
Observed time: 7 h 48 min 19 s
